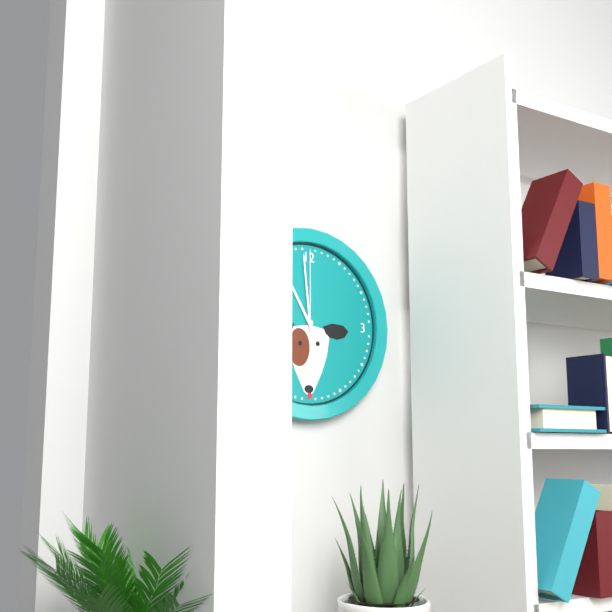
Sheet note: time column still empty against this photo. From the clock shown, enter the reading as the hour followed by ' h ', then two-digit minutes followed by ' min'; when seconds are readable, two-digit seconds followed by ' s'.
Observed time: 10 h 59 min 00 s
